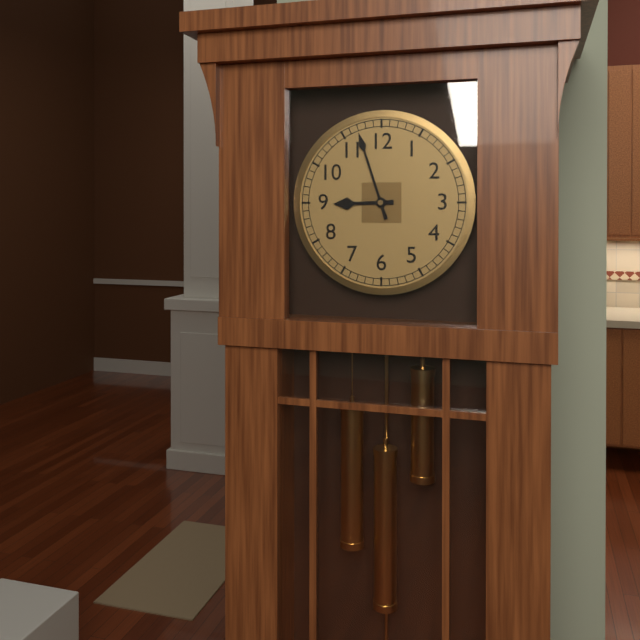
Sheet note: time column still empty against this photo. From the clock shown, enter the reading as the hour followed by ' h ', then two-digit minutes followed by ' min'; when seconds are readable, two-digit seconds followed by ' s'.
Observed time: 8 h 57 min
